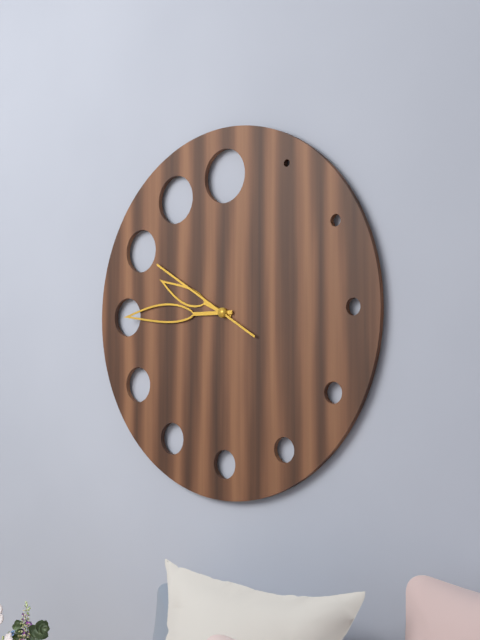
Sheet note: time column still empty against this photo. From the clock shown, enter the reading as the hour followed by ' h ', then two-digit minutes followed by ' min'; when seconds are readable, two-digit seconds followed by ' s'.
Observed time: 9 h 45 min 50 s
